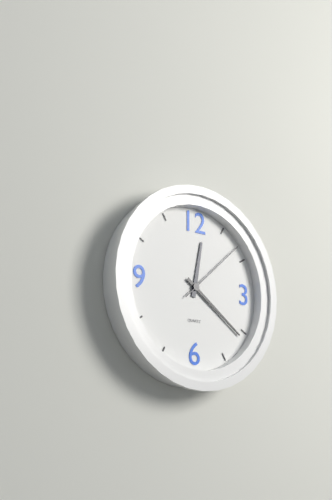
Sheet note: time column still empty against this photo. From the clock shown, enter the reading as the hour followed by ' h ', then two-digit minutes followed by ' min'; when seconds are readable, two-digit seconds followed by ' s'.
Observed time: 12 h 21 min 08 s
